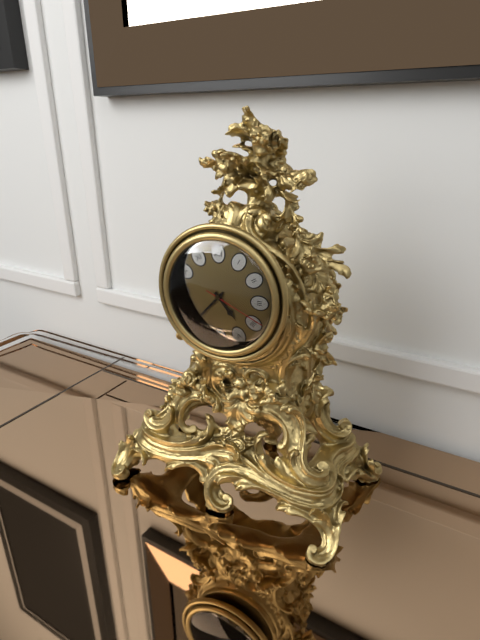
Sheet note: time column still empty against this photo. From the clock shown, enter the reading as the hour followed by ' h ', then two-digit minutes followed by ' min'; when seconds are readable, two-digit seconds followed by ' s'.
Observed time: 4 h 37 min 19 s
